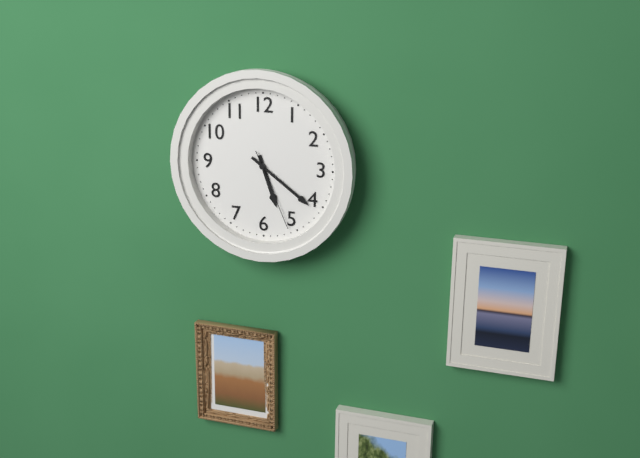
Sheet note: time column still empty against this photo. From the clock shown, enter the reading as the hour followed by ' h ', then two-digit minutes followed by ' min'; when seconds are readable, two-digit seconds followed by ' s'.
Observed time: 5 h 21 min 26 s
